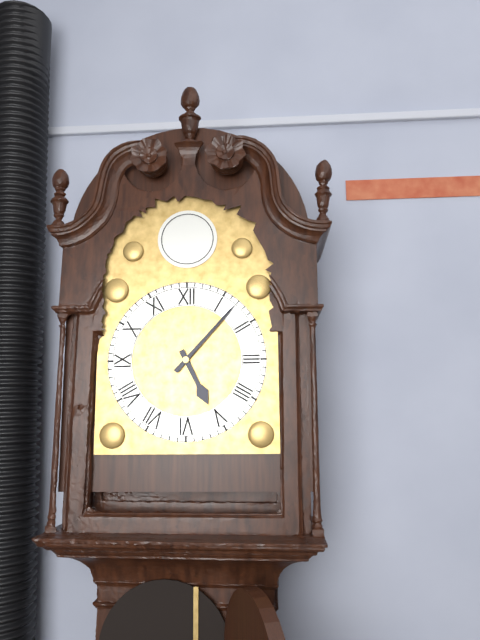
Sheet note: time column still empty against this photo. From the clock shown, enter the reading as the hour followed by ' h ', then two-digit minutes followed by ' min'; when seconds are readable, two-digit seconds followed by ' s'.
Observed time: 5 h 07 min
